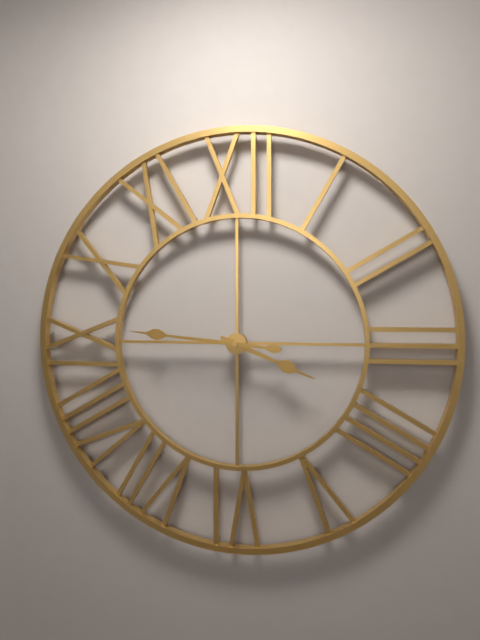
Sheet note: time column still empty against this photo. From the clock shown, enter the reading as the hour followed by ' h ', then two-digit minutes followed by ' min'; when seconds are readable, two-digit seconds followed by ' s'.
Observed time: 3 h 46 min
